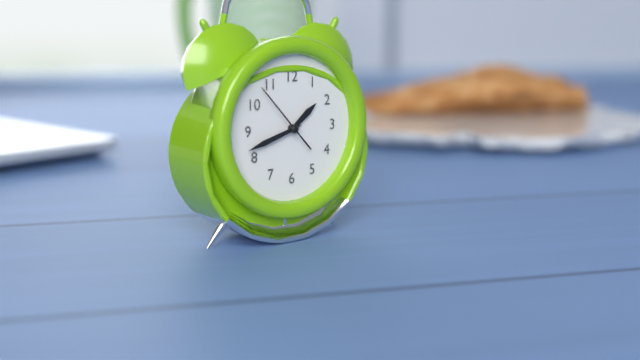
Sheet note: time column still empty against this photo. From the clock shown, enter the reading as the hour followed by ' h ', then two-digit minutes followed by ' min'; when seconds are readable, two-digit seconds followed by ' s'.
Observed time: 1 h 42 min 53 s
